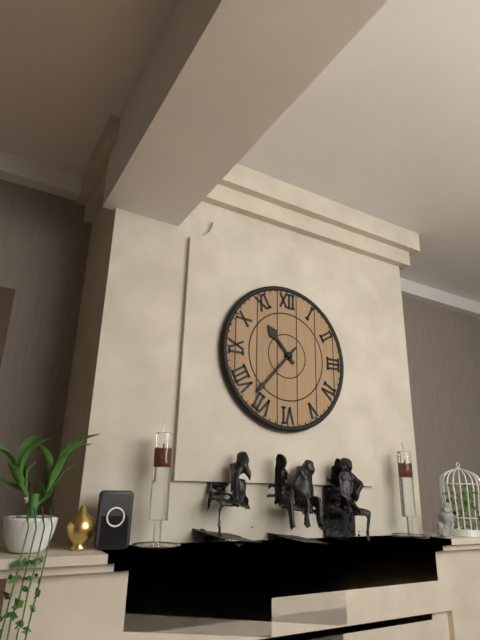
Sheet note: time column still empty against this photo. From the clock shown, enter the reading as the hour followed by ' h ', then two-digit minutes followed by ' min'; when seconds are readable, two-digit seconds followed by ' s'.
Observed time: 10 h 37 min
